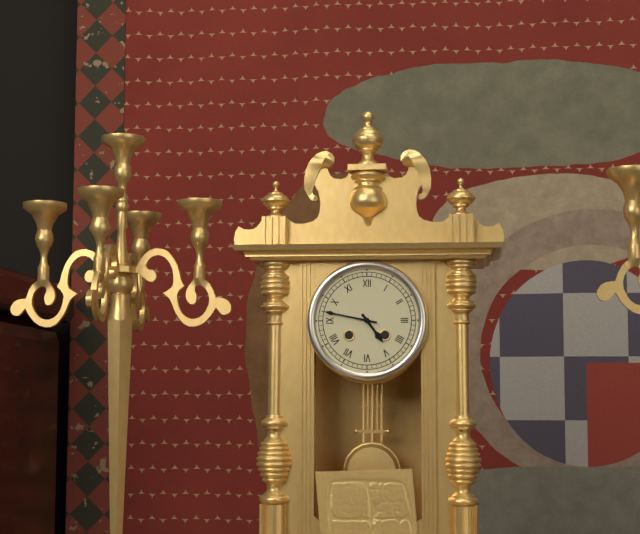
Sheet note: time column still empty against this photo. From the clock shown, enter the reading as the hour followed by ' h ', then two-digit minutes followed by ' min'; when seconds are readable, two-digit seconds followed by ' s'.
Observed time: 4 h 47 min
